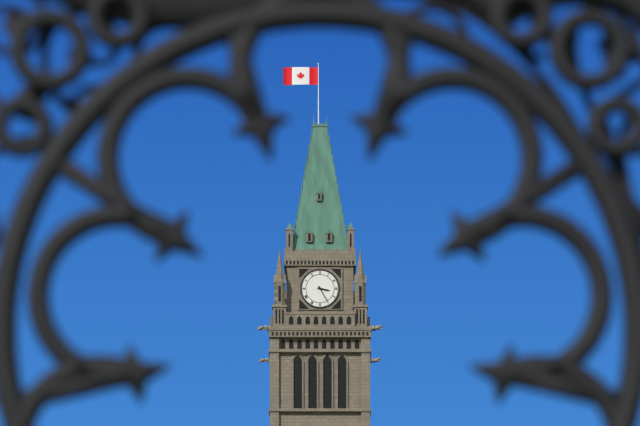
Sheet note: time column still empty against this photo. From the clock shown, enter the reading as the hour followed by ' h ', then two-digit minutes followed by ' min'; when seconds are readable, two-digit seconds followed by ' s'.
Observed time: 3 h 25 min
